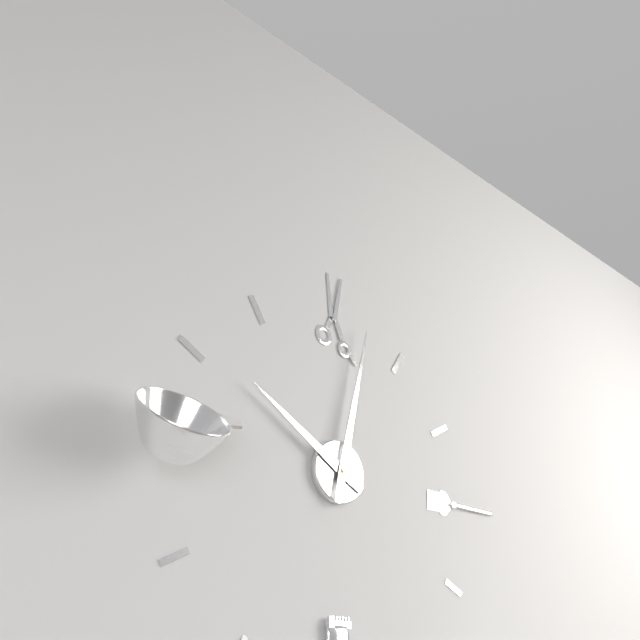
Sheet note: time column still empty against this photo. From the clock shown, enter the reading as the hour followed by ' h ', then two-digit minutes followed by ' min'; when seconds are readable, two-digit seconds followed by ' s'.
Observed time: 10 h 02 min
